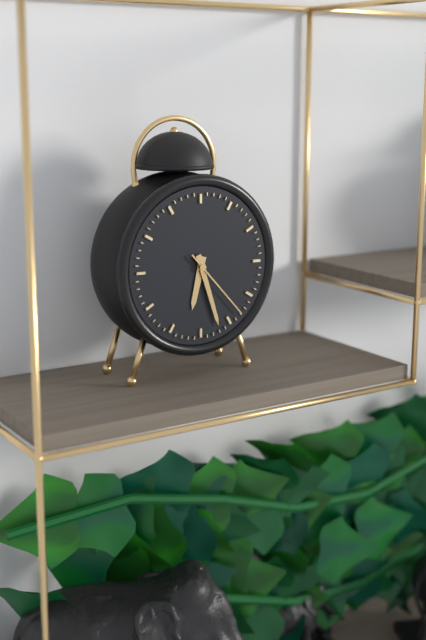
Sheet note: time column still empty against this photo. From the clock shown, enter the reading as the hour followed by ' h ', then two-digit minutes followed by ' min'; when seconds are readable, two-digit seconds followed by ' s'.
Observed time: 6 h 27 min 23 s
